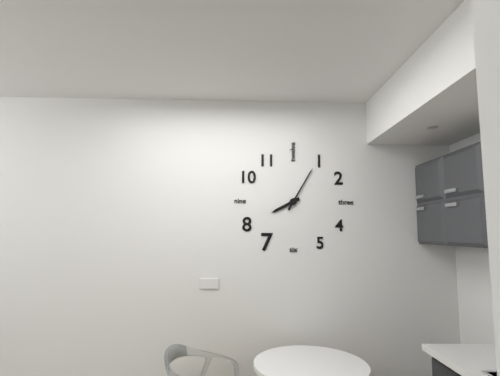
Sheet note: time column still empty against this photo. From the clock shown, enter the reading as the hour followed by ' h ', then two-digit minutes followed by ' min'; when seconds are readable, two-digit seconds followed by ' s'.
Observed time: 8 h 05 min
